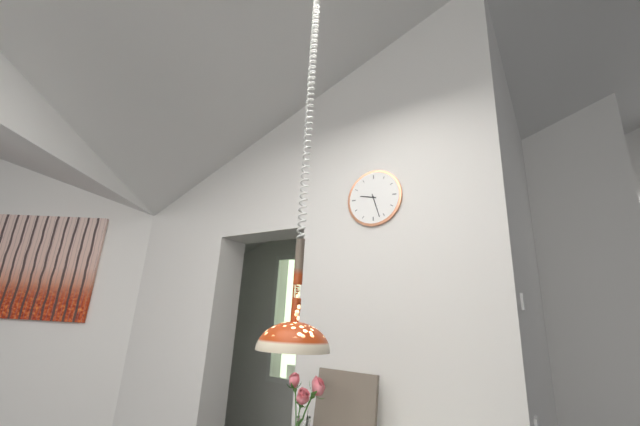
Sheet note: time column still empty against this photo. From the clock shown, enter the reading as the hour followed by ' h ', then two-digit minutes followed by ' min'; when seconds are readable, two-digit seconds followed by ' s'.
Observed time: 9 h 27 min
